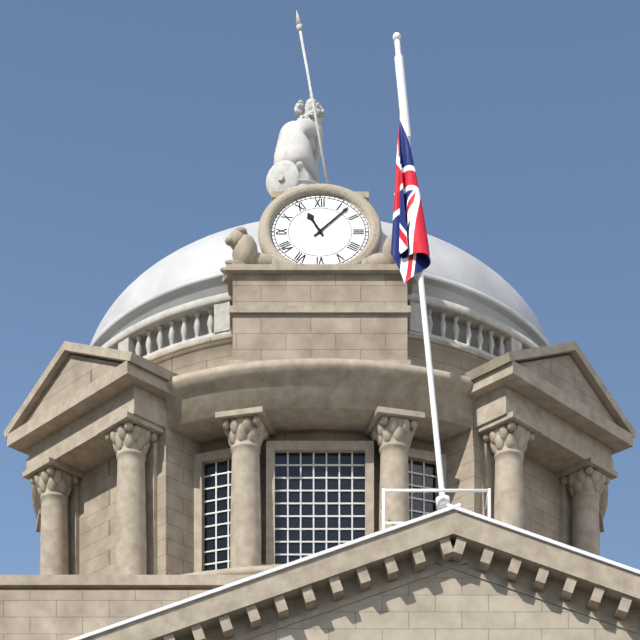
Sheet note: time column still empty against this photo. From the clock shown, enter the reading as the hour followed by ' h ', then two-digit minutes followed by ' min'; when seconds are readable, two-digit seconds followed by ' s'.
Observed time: 11 h 07 min
